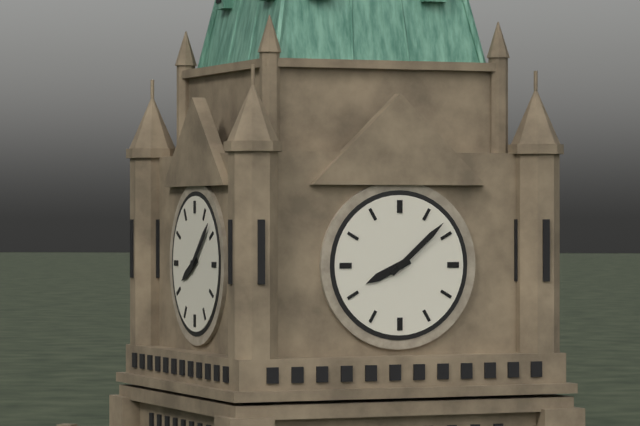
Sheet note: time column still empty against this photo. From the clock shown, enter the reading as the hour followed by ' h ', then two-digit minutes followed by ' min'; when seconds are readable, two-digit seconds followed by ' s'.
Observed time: 8 h 08 min
